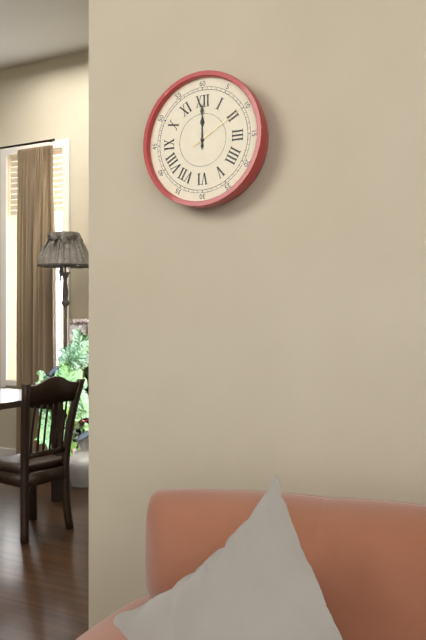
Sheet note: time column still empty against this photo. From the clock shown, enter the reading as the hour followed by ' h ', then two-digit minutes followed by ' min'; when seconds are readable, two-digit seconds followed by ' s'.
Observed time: 12 h 00 min 10 s
